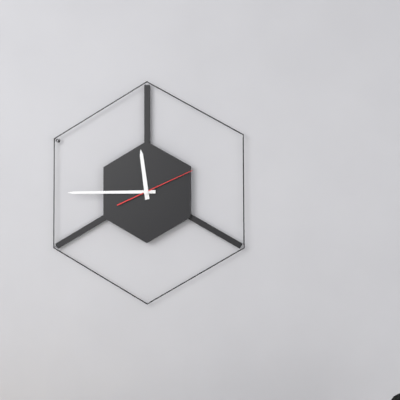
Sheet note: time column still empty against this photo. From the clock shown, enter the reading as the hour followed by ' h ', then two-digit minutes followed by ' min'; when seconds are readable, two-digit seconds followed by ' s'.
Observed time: 11 h 45 min 11 s
